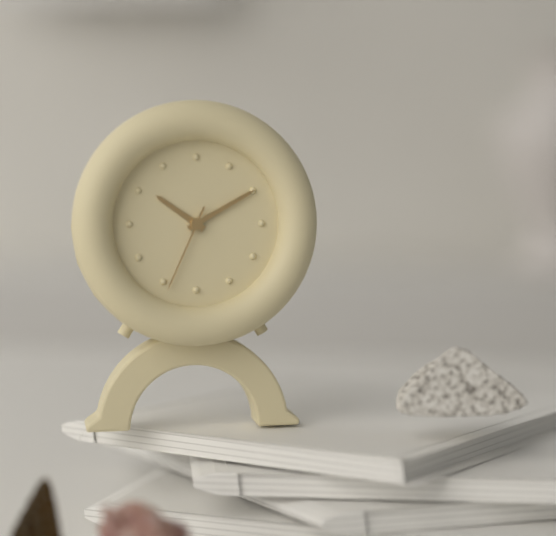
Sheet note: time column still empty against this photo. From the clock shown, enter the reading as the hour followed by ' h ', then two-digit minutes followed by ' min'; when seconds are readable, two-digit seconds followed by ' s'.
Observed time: 10 h 10 min 34 s
